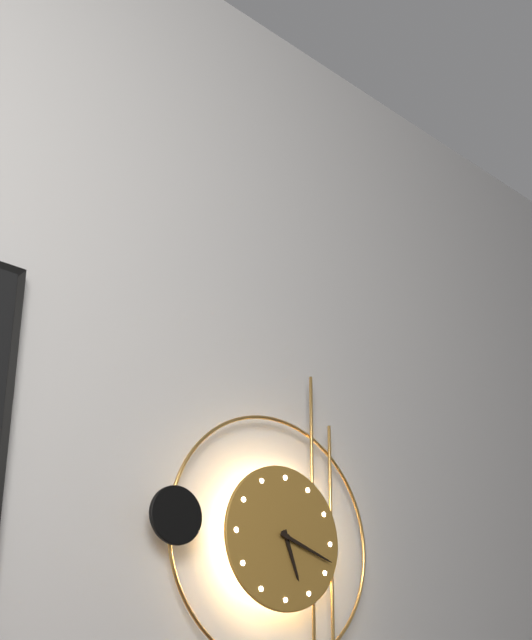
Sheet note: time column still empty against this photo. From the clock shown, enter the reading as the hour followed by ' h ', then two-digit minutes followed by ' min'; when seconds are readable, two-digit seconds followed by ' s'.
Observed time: 5 h 18 min
